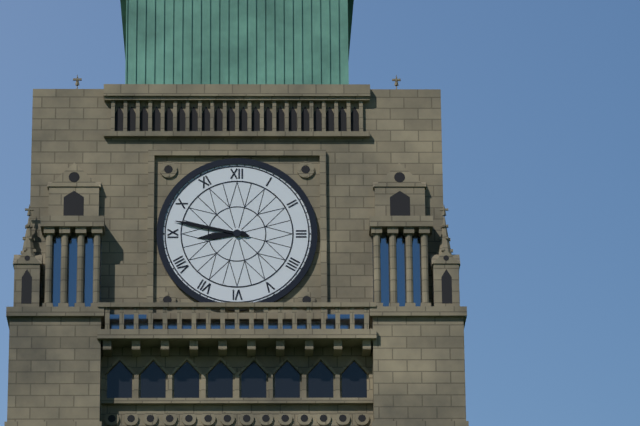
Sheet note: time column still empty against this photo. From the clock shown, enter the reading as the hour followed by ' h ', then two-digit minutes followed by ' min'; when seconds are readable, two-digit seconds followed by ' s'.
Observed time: 8 h 47 min
